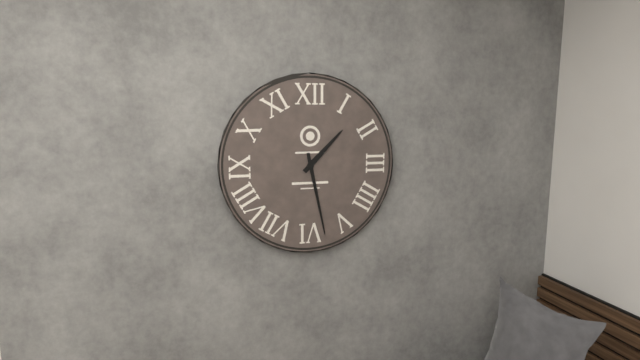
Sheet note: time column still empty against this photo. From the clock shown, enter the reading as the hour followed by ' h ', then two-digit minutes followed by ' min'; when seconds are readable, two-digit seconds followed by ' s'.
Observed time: 1 h 28 min
